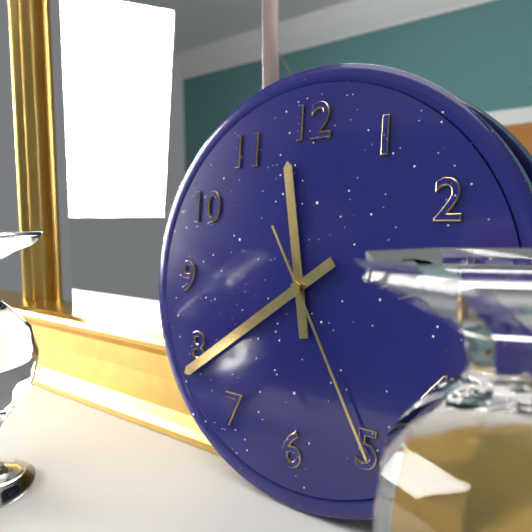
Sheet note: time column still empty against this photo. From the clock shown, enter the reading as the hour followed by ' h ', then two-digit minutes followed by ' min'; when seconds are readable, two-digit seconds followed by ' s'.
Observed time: 11 h 39 min 25 s
